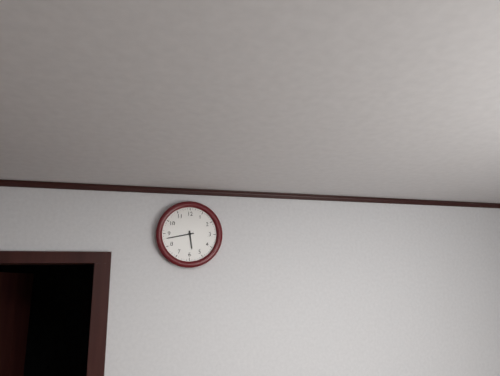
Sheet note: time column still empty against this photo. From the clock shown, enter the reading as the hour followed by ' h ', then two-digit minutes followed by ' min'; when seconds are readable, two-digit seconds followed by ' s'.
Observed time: 5 h 43 min
